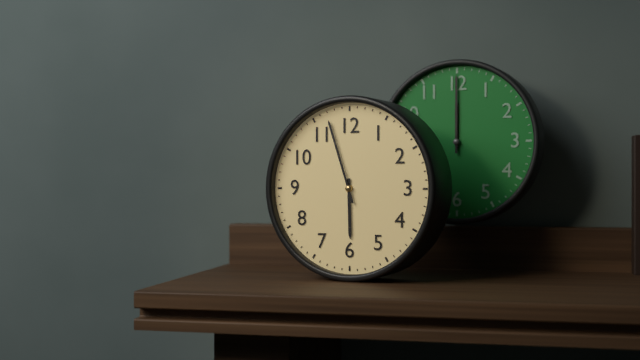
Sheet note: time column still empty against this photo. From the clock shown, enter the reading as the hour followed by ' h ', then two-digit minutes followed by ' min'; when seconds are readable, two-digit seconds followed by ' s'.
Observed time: 5 h 57 min
